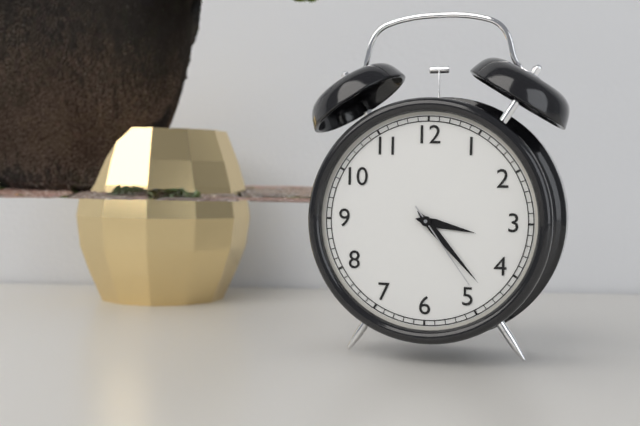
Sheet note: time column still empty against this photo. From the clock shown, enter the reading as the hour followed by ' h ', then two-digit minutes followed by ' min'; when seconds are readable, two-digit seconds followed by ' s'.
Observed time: 3 h 23 min 24 s
